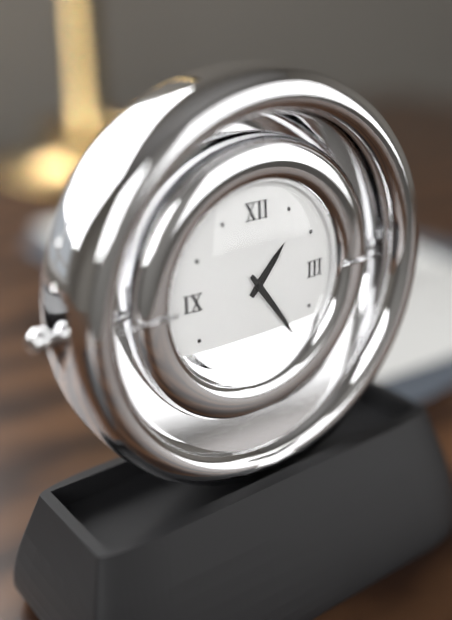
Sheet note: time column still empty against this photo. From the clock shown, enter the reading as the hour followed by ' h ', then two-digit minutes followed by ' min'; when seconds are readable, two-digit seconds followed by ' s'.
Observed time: 1 h 24 min
